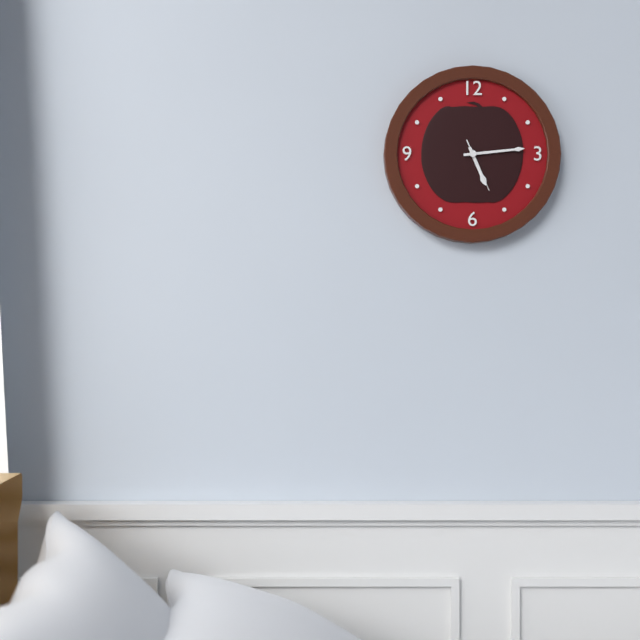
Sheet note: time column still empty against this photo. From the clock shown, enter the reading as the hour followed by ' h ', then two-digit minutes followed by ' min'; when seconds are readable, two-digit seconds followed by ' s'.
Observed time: 5 h 14 min 26 s
